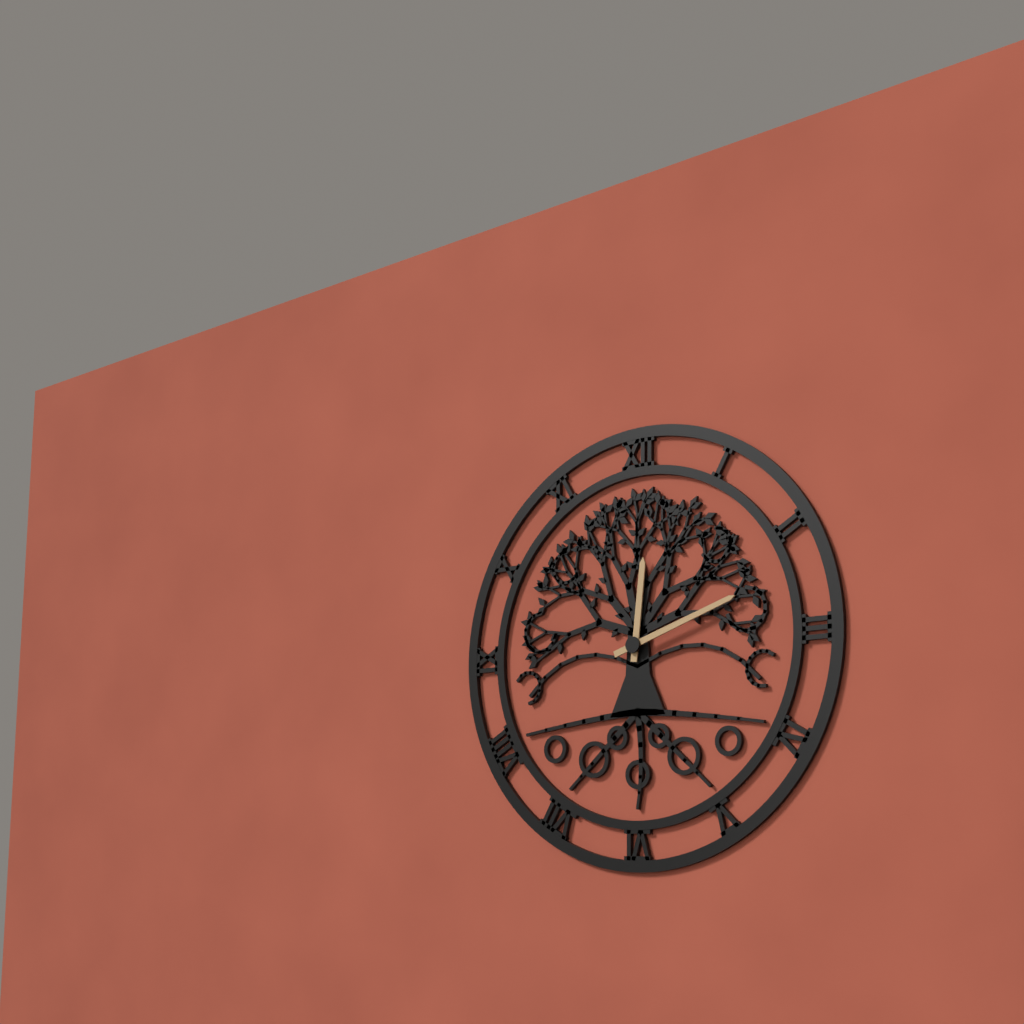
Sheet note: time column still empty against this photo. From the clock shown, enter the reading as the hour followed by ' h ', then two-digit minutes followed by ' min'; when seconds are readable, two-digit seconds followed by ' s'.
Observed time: 12 h 12 min
